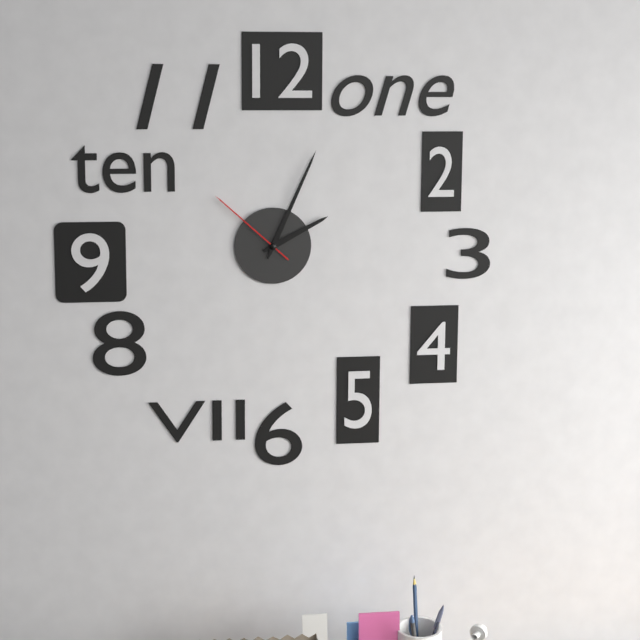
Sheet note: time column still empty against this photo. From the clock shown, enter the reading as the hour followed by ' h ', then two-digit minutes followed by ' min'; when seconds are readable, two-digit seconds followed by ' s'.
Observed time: 2 h 04 min 52 s
